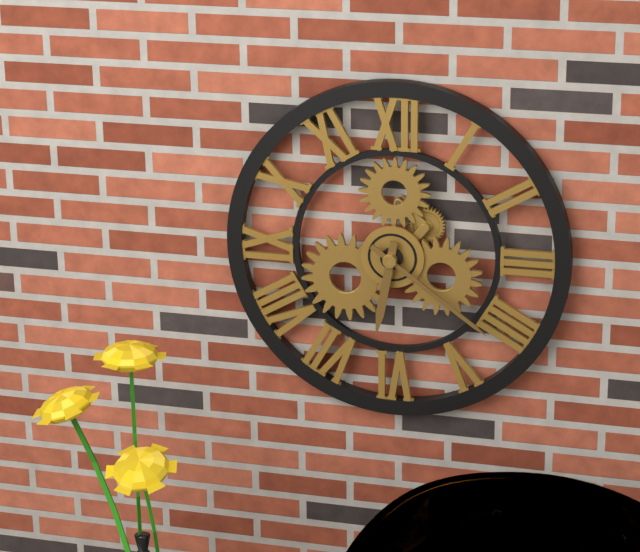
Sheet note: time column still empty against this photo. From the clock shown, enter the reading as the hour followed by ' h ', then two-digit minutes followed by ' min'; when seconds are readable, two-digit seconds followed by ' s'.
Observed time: 6 h 21 min
